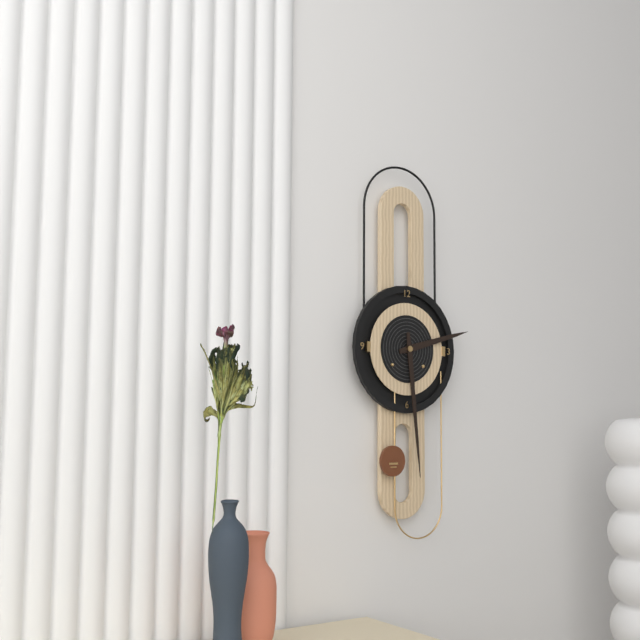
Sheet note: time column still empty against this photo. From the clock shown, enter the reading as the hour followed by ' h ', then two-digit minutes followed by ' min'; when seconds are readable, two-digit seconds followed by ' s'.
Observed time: 2 h 29 min
